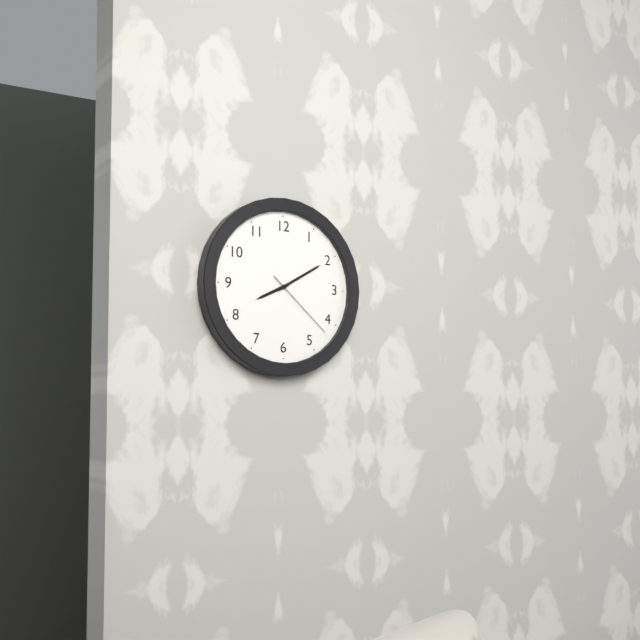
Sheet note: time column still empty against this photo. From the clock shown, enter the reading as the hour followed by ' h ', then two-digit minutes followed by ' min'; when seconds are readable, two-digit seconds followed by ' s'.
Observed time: 8 h 10 min 22 s
